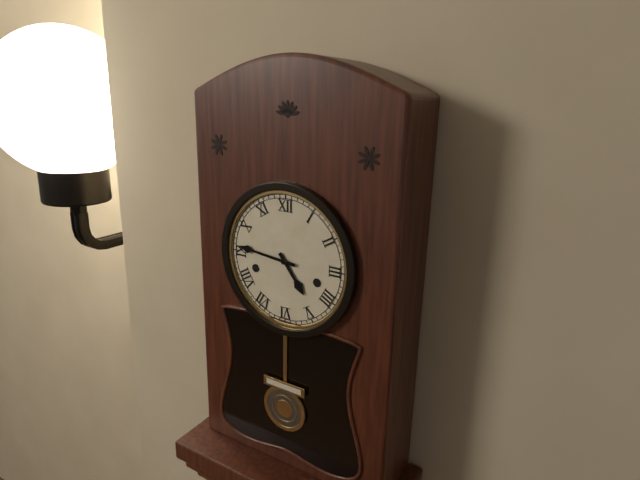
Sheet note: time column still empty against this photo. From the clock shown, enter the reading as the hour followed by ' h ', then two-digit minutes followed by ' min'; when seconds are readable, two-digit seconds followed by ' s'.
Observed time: 4 h 46 min
